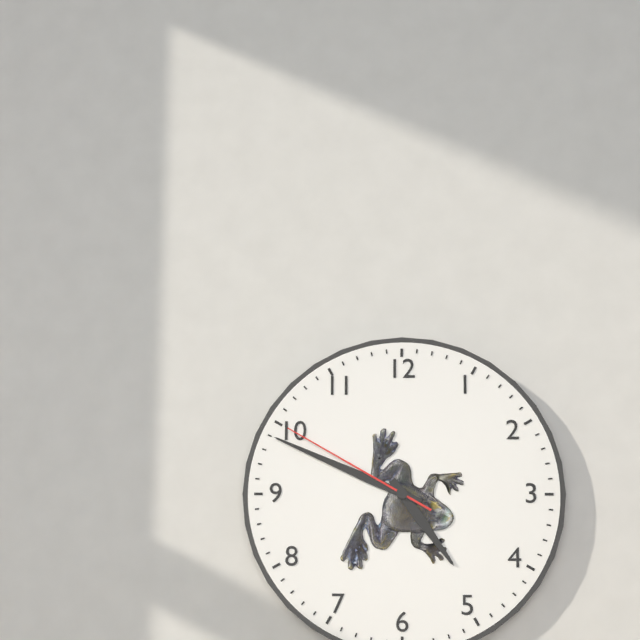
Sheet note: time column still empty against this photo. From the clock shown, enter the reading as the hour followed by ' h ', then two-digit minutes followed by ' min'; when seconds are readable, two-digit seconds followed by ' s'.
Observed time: 4 h 49 min 50 s
